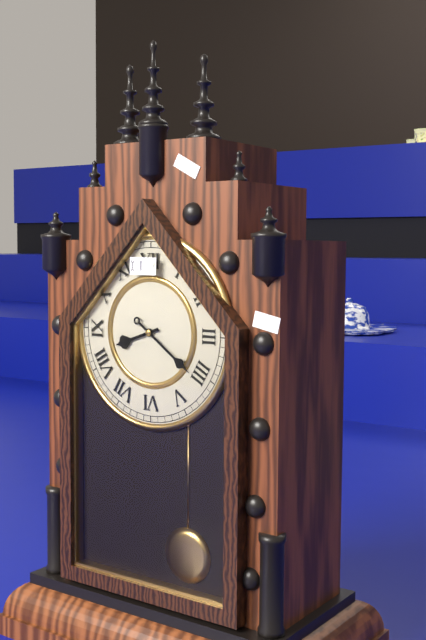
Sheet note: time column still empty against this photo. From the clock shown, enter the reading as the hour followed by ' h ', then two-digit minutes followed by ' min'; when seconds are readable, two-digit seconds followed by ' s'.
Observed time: 8 h 21 min
